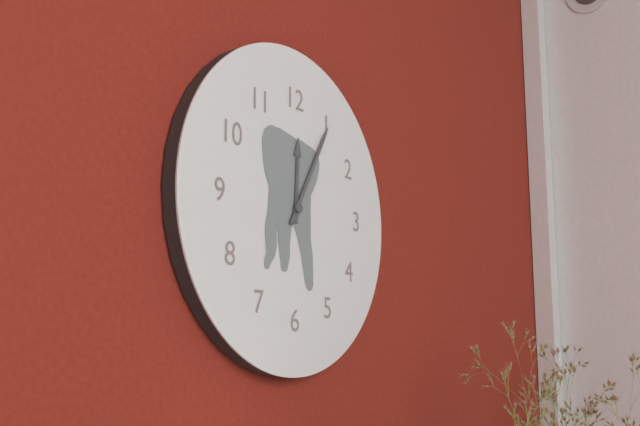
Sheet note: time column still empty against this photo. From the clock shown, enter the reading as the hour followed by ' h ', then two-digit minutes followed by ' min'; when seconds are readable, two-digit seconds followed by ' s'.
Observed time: 12 h 05 min
